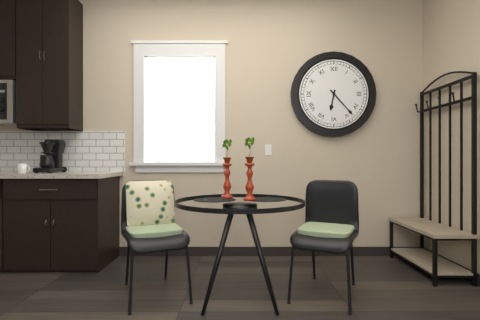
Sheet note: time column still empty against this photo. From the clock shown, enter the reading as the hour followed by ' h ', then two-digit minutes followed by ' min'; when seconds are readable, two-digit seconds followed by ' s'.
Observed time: 6 h 23 min
